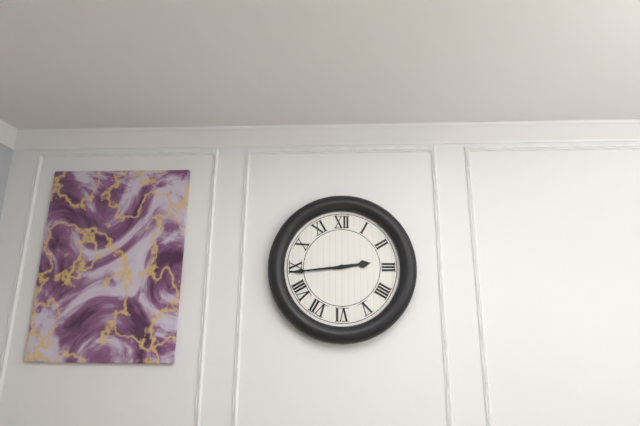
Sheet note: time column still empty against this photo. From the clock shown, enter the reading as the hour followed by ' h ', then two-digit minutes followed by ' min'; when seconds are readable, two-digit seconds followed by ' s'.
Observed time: 2 h 44 min
